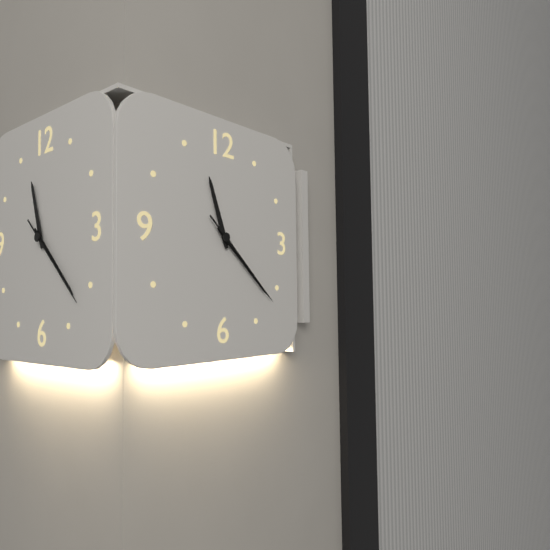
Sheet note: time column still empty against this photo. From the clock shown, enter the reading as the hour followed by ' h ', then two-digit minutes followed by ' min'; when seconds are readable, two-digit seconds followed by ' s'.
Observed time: 11 h 22 min 22 s
